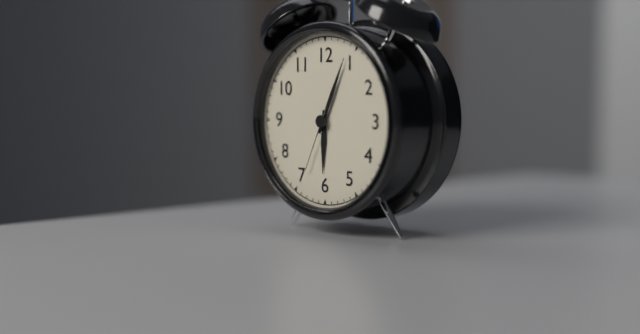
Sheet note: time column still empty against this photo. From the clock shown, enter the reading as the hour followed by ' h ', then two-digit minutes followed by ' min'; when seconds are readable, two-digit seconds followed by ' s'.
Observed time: 6 h 04 min 34 s
